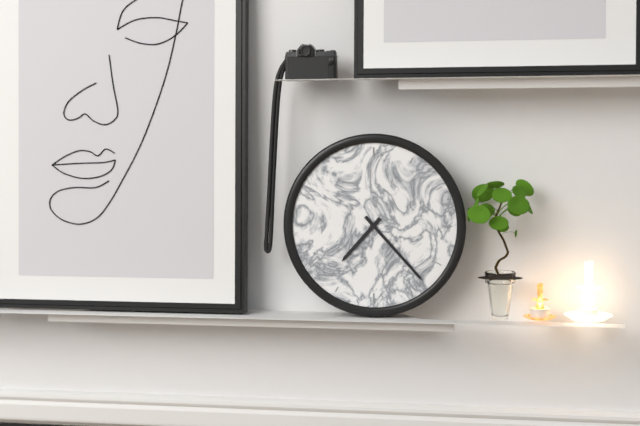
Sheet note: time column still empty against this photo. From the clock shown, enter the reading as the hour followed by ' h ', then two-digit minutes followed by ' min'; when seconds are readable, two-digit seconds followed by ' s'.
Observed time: 7 h 23 min
